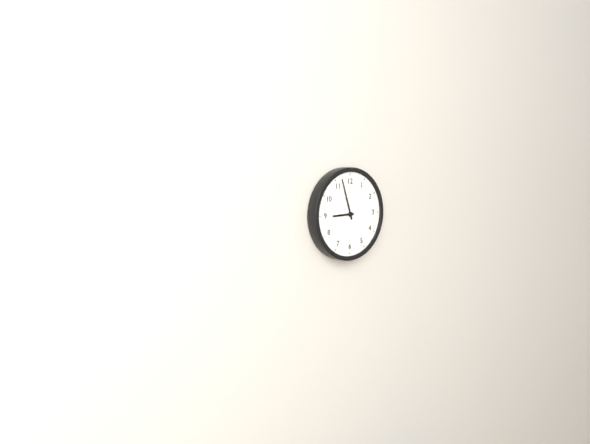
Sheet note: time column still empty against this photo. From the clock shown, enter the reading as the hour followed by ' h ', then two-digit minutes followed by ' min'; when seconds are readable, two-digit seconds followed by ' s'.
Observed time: 8 h 57 min
